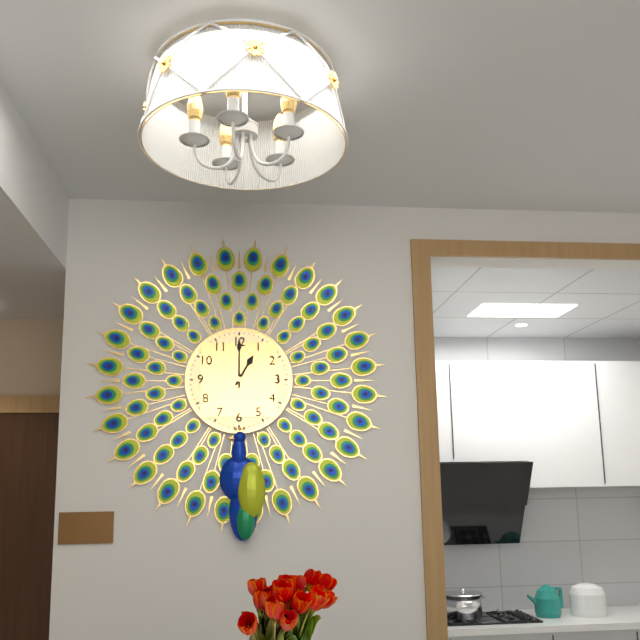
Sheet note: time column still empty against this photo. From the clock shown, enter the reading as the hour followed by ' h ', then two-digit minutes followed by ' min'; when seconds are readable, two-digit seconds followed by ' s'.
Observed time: 1 h 00 min
